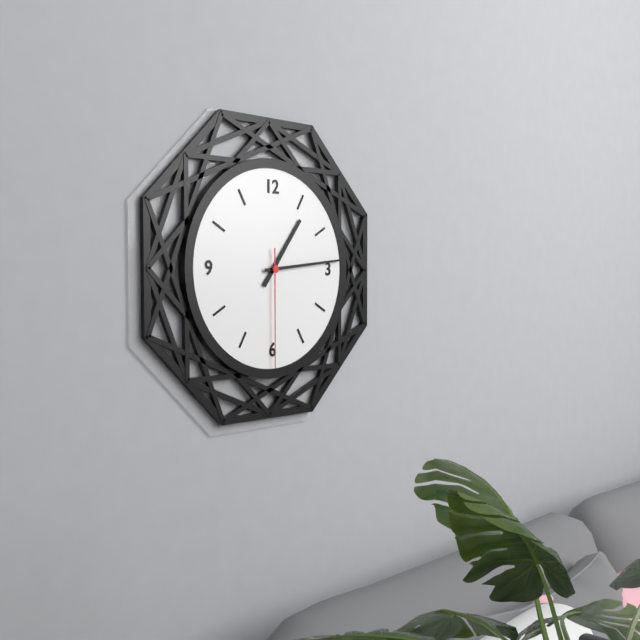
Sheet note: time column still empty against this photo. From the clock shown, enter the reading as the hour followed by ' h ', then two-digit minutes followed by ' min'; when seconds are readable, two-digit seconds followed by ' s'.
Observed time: 1 h 14 min 30 s
